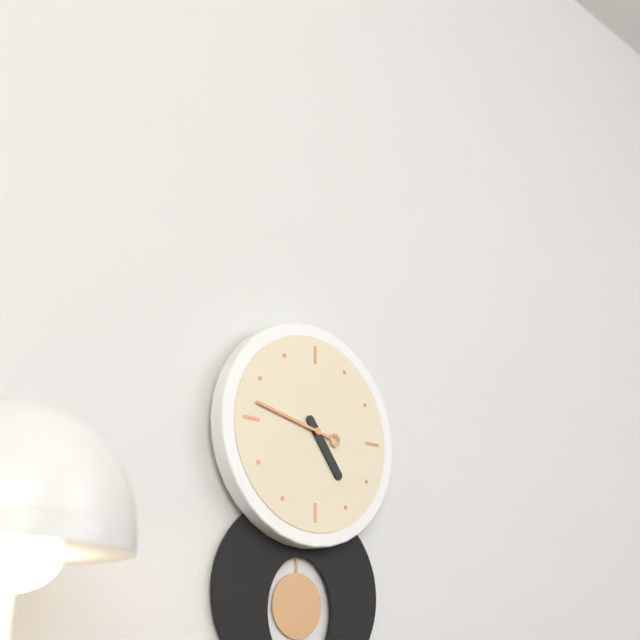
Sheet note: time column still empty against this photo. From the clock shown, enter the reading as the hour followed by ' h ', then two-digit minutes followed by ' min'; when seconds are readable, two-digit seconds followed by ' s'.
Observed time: 4 h 47 min
